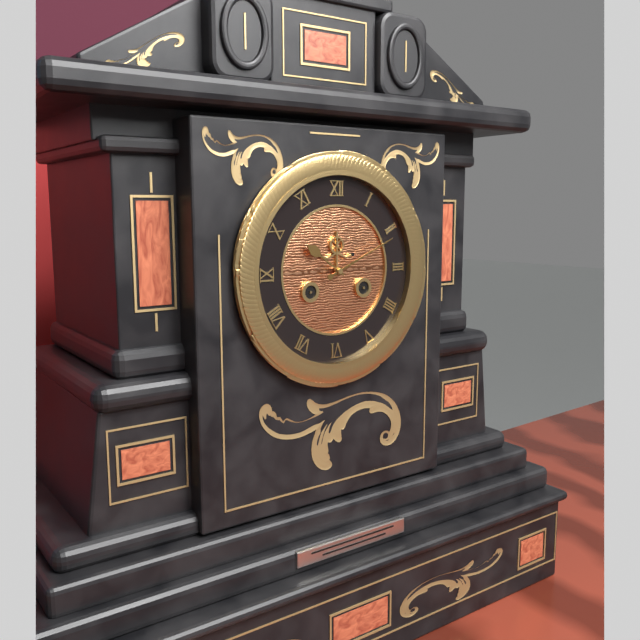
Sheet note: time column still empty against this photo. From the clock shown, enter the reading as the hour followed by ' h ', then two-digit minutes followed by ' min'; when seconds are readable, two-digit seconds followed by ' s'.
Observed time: 10 h 11 min
